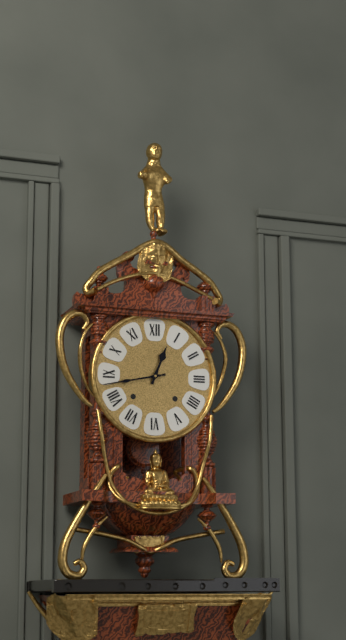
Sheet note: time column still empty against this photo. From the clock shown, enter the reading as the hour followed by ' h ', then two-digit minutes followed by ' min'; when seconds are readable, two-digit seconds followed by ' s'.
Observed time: 12 h 43 min
